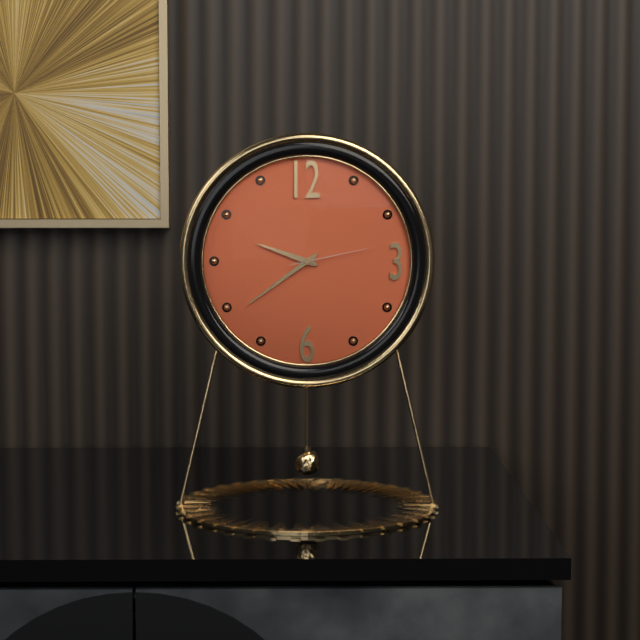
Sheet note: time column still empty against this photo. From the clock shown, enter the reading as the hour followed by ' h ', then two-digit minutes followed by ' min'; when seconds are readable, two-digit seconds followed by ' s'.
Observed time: 9 h 39 min 13 s
